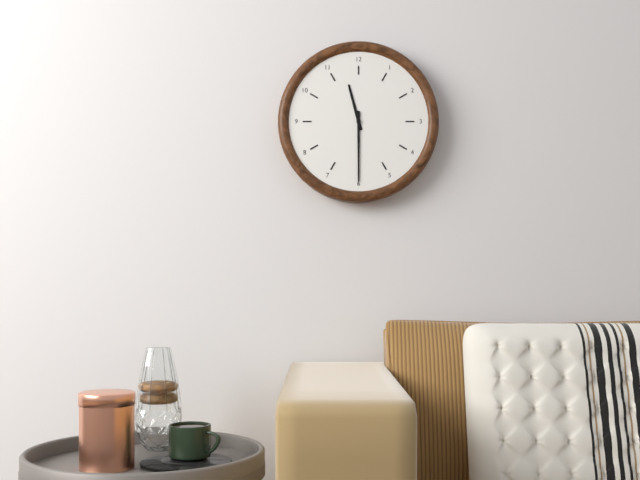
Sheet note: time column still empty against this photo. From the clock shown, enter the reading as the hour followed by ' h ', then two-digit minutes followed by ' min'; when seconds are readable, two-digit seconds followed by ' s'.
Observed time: 11 h 30 min
